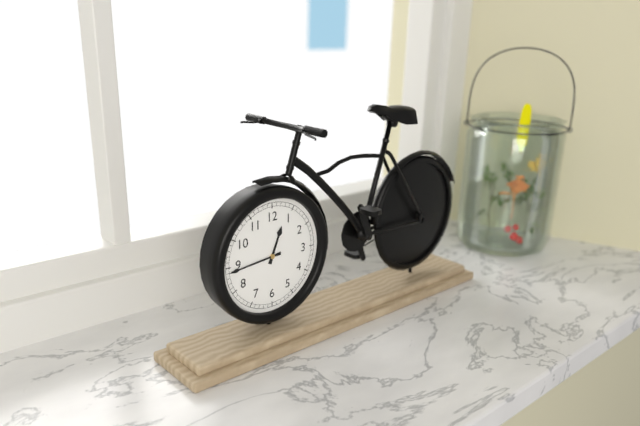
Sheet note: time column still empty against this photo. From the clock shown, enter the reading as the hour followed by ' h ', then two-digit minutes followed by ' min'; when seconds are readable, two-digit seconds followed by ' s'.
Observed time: 12 h 44 min
